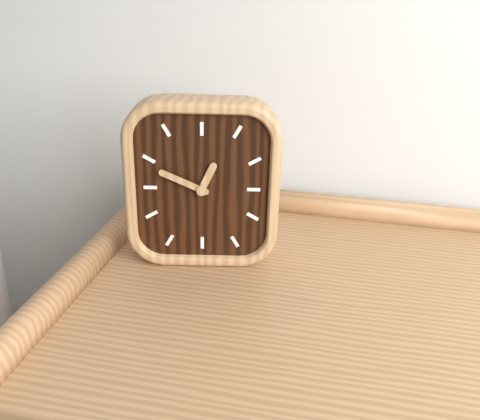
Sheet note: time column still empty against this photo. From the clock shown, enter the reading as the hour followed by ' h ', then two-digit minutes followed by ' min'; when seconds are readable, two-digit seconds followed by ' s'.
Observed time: 12 h 49 min
